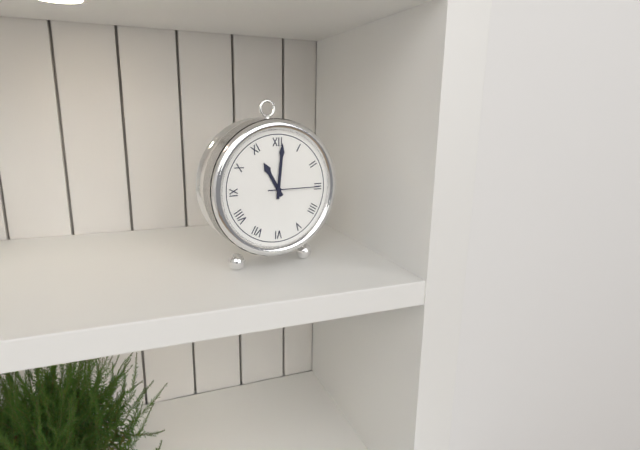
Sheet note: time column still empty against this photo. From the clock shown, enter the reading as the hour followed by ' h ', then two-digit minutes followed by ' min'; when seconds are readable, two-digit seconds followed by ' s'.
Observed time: 11 h 01 min 15 s
